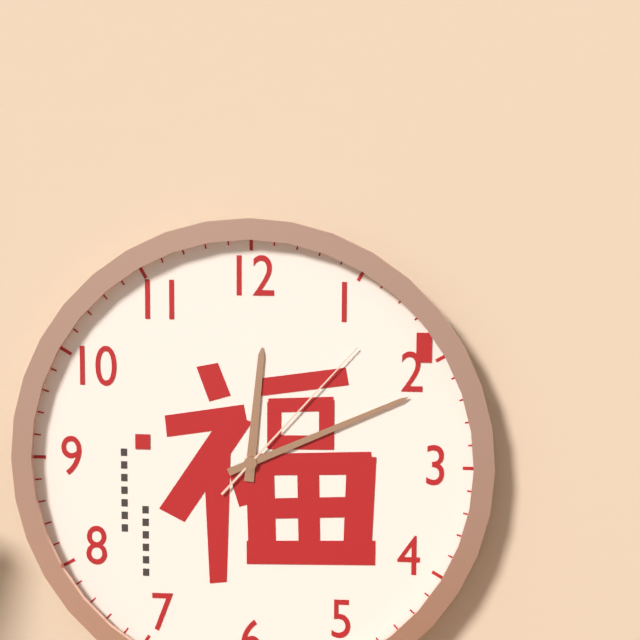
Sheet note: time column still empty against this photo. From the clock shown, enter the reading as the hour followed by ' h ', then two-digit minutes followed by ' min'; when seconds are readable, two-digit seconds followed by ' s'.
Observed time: 12 h 11 min 07 s
